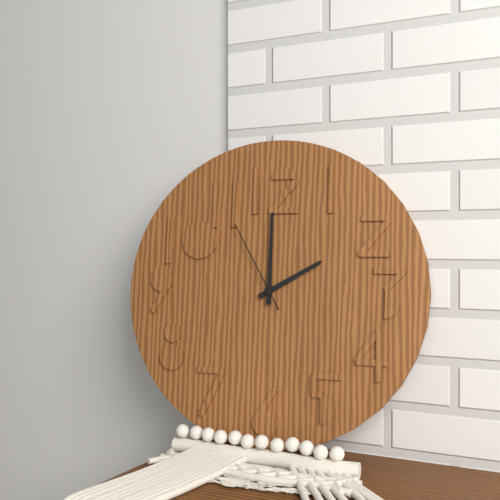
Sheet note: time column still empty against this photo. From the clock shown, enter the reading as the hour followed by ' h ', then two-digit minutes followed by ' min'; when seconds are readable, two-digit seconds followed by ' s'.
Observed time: 2 h 00 min 55 s
